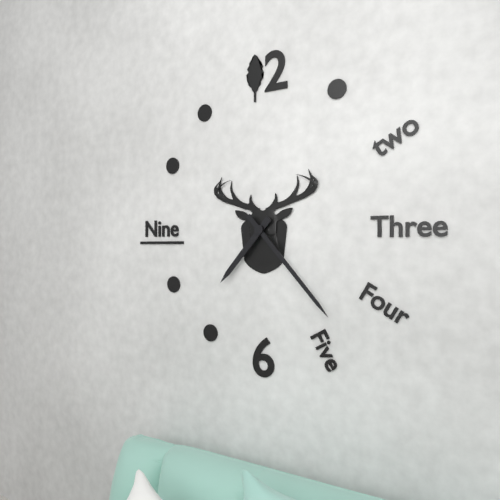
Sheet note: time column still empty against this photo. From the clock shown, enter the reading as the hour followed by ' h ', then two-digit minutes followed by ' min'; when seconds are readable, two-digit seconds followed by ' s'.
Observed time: 7 h 23 min
